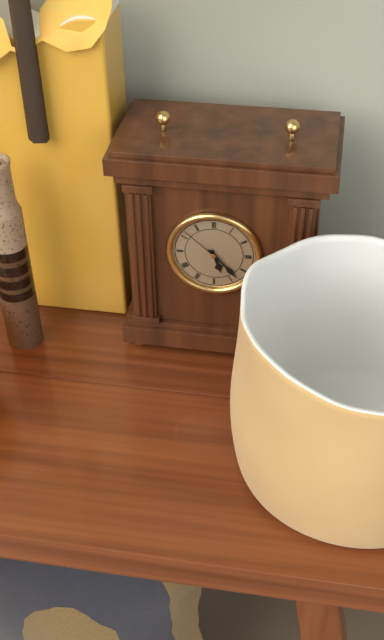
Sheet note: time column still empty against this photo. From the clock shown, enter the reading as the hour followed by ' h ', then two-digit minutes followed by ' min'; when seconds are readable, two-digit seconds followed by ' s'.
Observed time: 5 h 23 min
